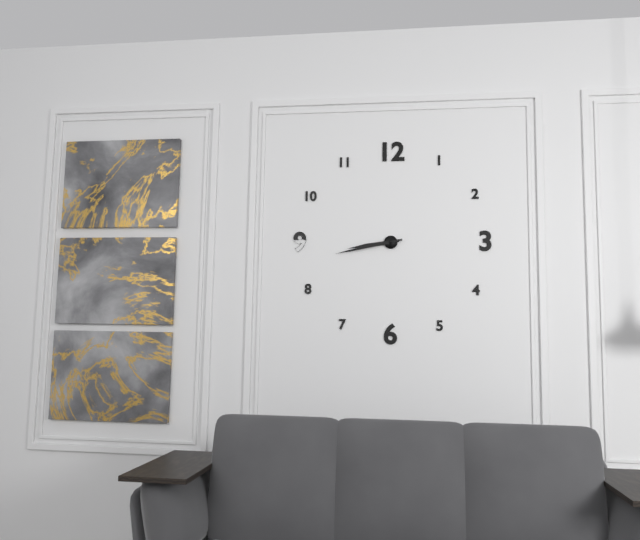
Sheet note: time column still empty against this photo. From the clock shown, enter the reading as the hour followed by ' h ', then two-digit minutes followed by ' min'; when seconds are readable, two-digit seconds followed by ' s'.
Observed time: 8 h 43 min
